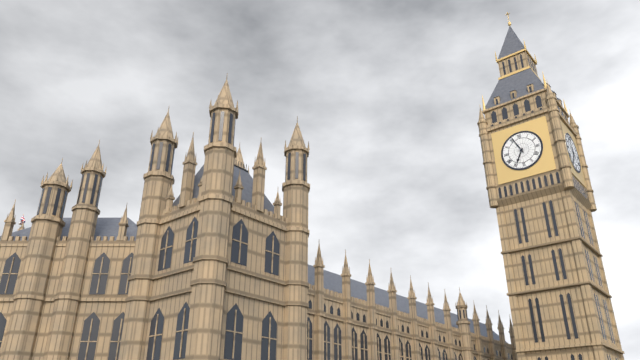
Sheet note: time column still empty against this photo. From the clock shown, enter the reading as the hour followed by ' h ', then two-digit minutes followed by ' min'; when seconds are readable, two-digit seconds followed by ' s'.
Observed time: 6 h 56 min
